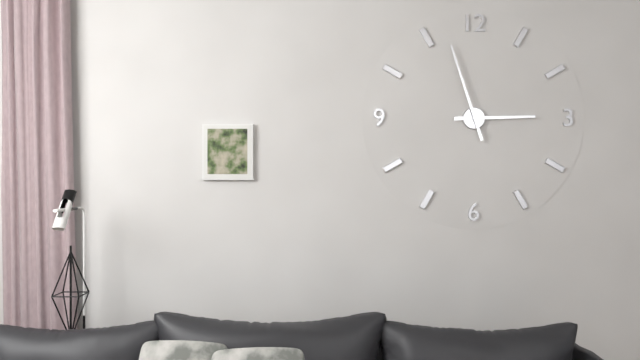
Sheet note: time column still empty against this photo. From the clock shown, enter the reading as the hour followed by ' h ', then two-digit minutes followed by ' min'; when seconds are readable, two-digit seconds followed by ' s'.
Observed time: 2 h 57 min
